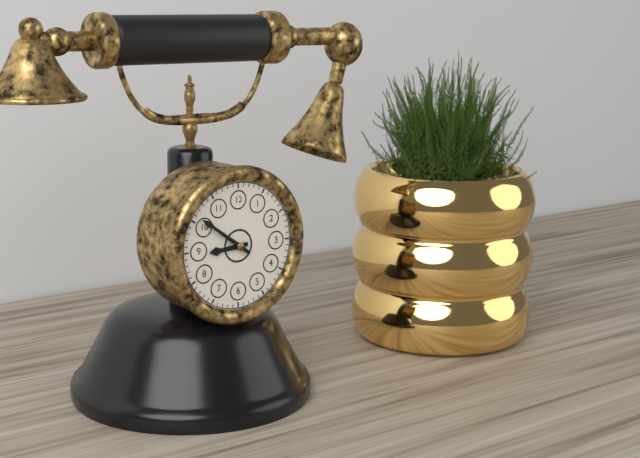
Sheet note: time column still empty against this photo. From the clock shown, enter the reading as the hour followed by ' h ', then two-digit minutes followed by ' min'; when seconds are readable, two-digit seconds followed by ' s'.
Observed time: 8 h 51 min
